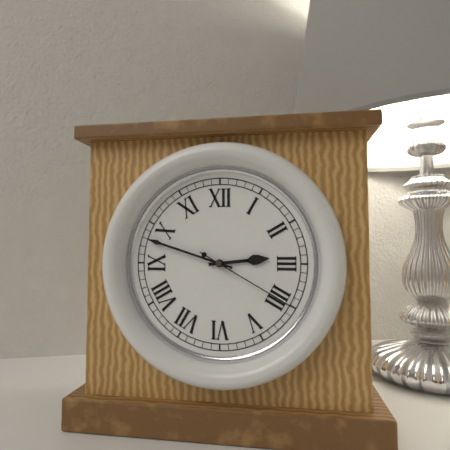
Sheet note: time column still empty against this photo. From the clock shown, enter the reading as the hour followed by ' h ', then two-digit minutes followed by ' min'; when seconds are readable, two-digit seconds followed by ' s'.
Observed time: 2 h 48 min 20 s
